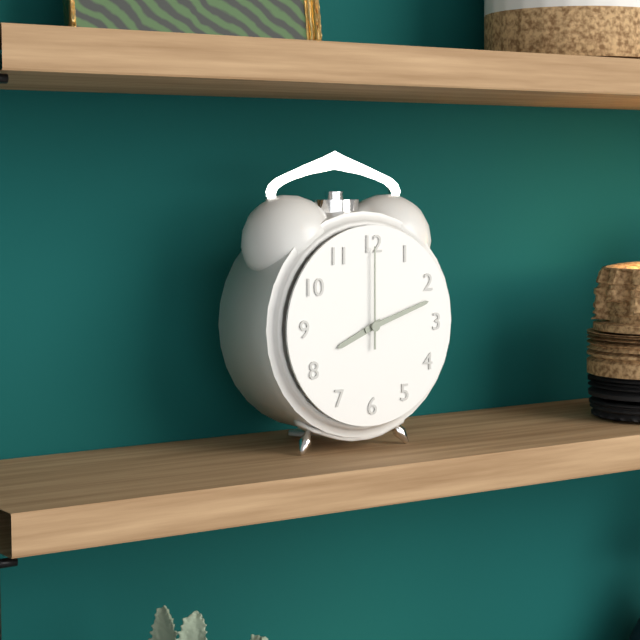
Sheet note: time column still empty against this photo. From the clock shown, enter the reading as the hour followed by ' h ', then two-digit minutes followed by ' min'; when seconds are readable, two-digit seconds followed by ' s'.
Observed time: 8 h 12 min 00 s
